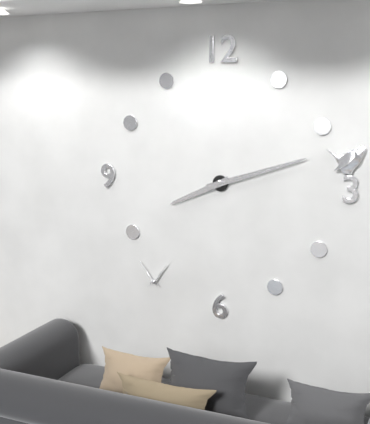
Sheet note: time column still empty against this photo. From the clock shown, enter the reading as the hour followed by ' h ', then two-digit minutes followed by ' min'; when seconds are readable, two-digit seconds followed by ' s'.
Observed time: 8 h 12 min
